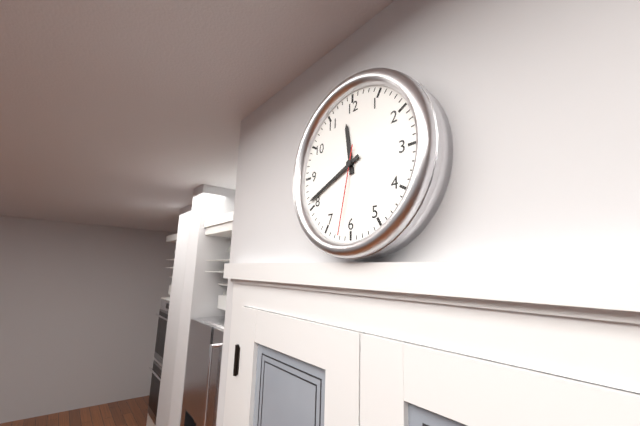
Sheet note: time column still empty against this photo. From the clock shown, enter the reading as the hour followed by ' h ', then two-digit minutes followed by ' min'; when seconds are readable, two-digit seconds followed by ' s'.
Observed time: 11 h 41 min 32 s
